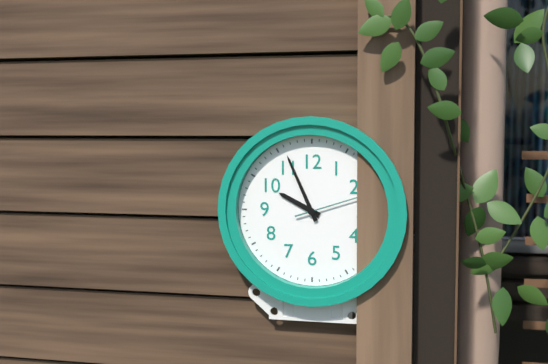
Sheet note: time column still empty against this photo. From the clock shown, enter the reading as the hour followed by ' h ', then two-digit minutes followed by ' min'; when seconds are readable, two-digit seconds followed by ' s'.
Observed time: 9 h 56 min 12 s
